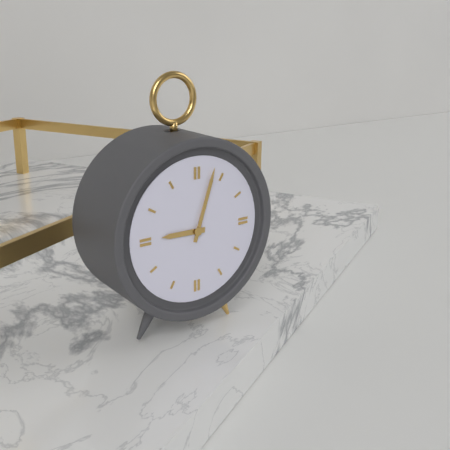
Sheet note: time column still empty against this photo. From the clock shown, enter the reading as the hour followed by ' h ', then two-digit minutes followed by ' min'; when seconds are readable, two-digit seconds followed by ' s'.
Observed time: 9 h 03 min
